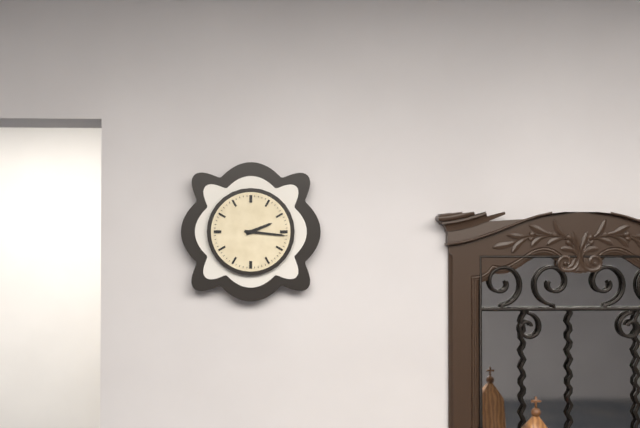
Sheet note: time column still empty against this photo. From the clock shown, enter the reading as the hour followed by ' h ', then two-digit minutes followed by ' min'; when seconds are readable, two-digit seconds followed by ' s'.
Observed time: 2 h 16 min
